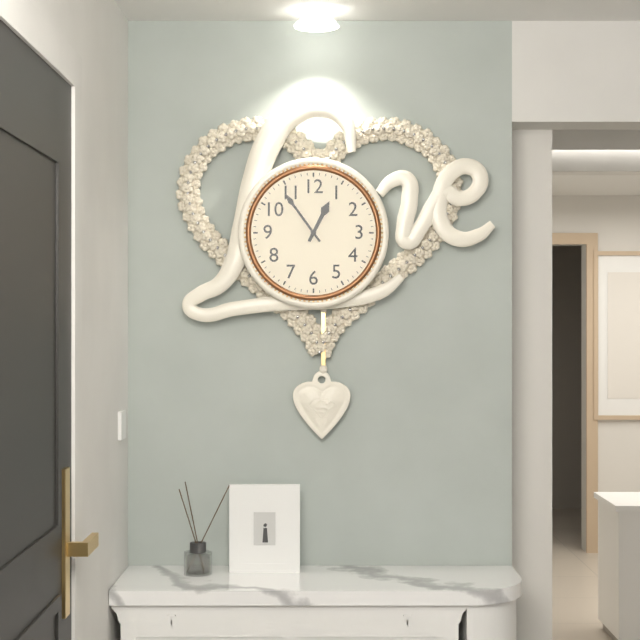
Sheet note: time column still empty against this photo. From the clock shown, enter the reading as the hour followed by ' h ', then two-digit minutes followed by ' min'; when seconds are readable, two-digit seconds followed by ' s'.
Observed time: 12 h 54 min
